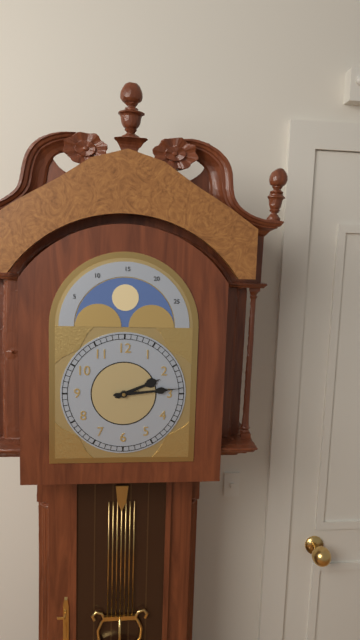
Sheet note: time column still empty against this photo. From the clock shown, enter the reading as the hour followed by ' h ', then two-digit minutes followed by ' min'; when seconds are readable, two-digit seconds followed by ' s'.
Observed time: 2 h 14 min
